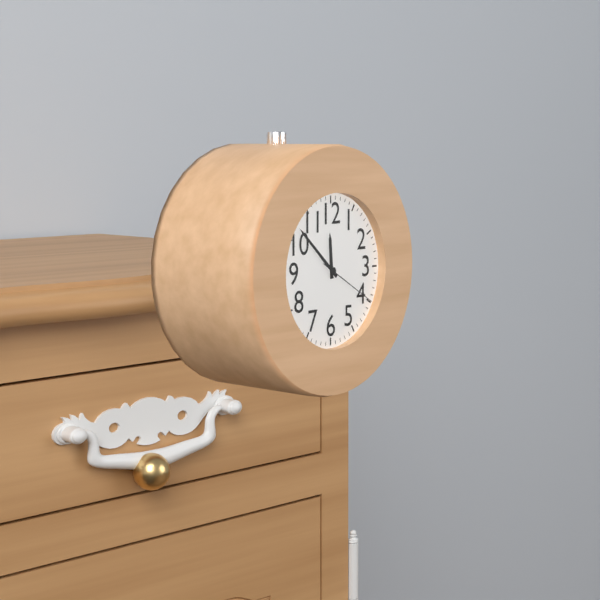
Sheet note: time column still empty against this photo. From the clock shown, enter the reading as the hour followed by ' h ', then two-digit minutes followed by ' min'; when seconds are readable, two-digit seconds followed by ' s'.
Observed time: 11 h 52 min 20 s
